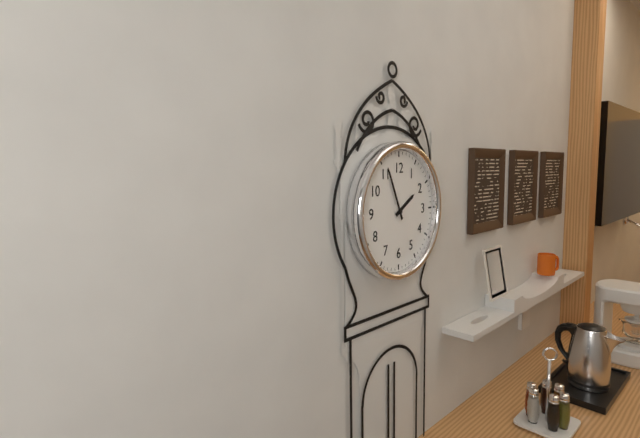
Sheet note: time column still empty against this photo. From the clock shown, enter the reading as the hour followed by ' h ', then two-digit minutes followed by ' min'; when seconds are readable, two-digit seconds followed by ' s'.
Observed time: 1 h 56 min
